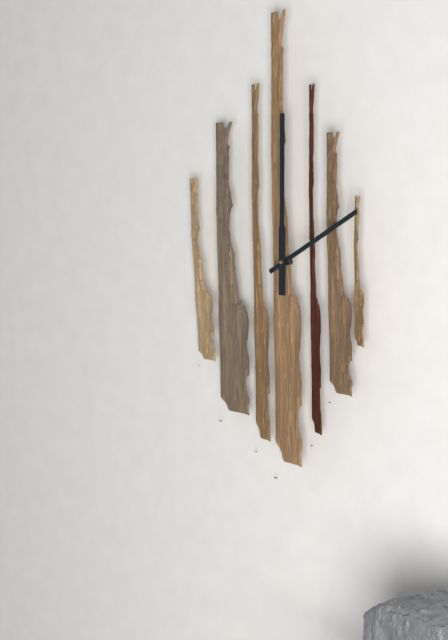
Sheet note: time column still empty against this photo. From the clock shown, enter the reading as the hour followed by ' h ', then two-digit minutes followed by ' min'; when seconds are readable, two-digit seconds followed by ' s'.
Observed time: 2 h 00 min
